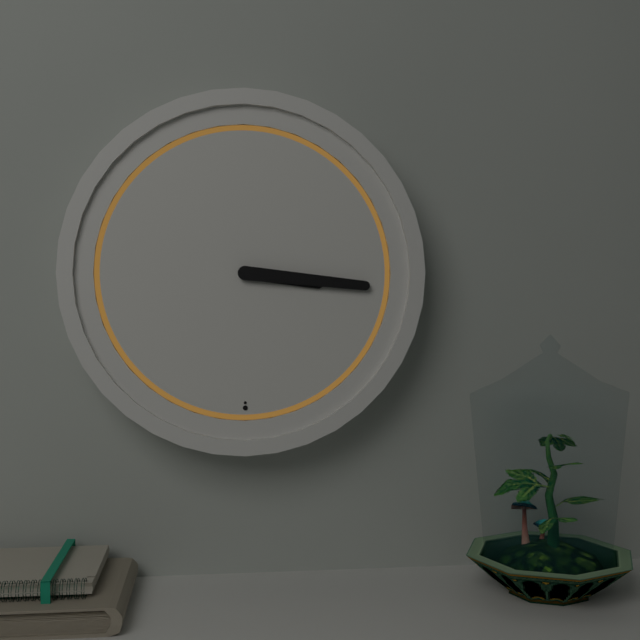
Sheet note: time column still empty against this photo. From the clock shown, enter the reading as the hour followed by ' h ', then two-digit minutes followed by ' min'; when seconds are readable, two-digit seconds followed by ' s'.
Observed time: 3 h 16 min
